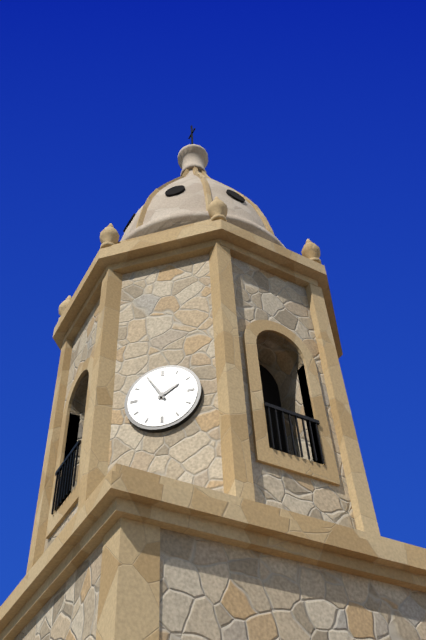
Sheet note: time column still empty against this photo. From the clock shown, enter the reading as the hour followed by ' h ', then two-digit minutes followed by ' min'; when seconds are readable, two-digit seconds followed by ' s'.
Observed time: 1 h 55 min
